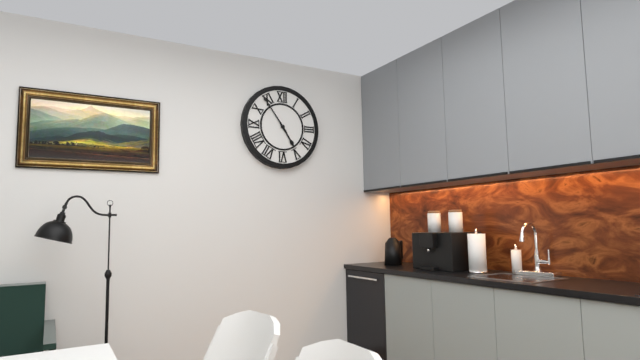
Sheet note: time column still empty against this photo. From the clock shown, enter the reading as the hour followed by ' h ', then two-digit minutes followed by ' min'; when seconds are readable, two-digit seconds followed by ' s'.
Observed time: 4 h 54 min
